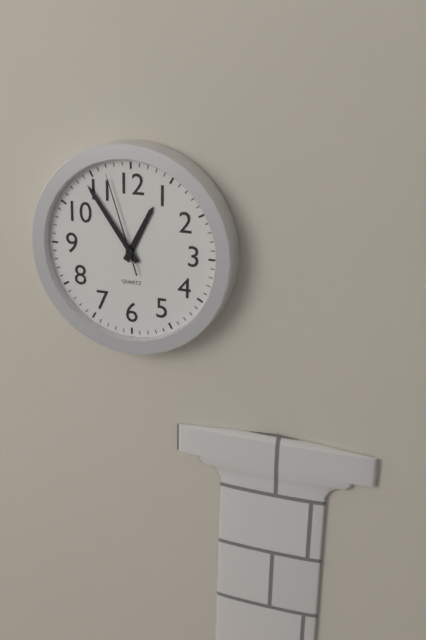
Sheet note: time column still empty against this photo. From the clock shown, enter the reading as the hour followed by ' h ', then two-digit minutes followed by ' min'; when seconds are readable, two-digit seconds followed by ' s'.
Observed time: 12 h 54 min 57 s
